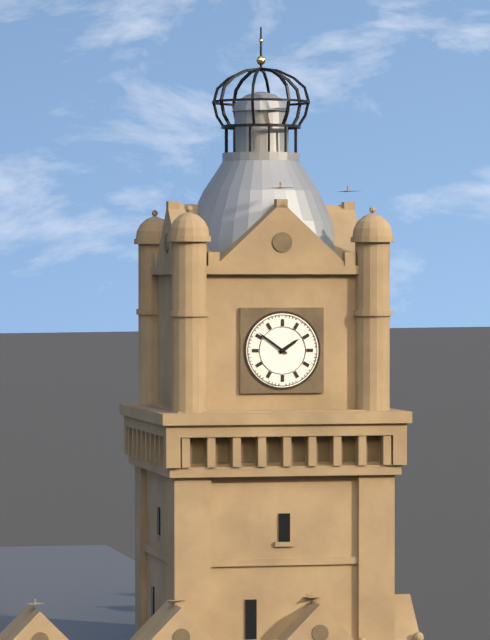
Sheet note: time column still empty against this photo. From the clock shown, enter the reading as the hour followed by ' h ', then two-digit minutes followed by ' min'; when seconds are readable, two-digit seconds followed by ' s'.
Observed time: 1 h 51 min
